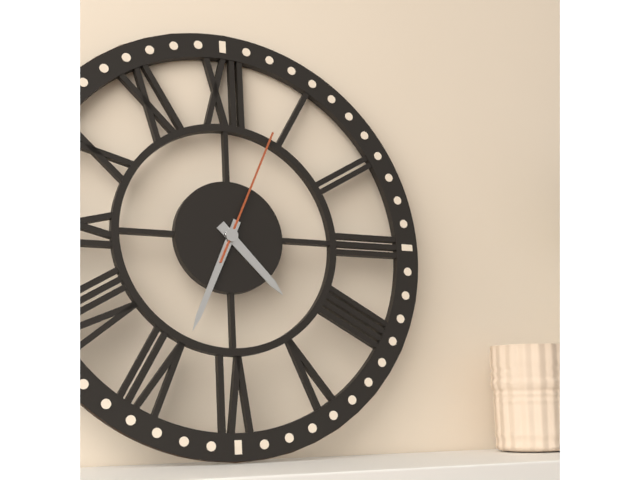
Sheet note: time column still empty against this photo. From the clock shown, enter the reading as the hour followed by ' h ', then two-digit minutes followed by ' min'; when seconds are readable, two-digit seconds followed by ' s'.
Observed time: 4 h 34 min 04 s
